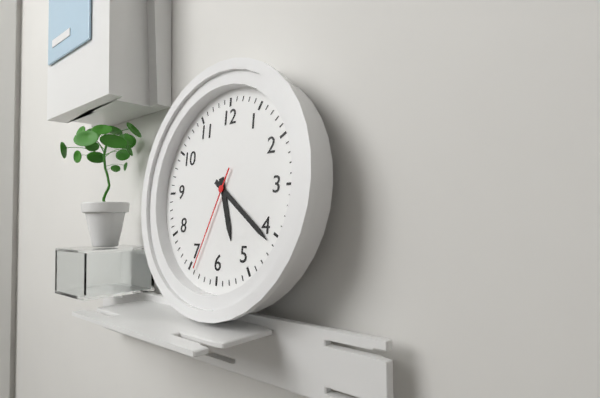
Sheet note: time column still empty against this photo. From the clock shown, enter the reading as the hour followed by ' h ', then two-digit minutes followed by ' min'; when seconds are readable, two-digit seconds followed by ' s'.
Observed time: 5 h 21 min 34 s
